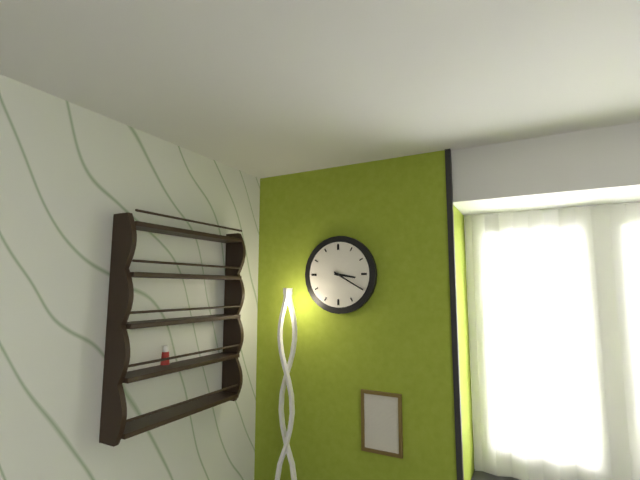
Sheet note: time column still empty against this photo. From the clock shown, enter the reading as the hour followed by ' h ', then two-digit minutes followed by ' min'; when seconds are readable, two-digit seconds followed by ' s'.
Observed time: 3 h 20 min
